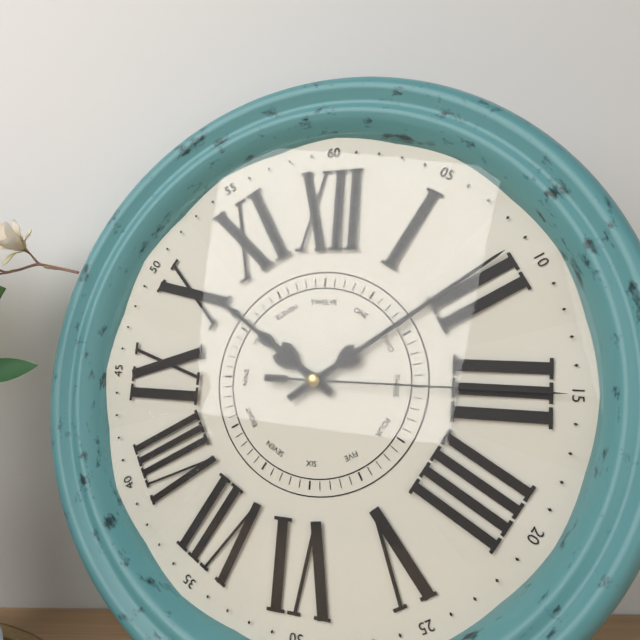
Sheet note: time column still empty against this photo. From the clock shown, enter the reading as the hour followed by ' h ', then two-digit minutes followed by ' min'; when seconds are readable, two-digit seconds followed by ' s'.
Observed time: 10 h 09 min 15 s
